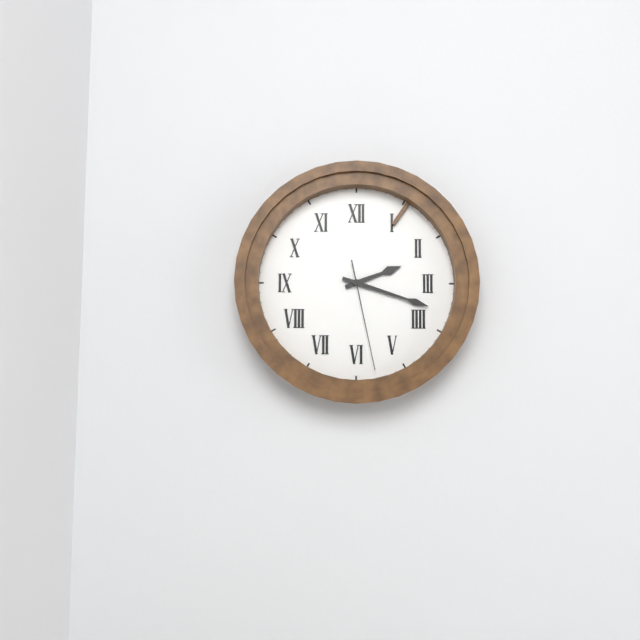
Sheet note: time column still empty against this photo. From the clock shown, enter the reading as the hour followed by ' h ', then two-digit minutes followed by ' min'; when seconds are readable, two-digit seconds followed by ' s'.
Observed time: 2 h 18 min 28 s
